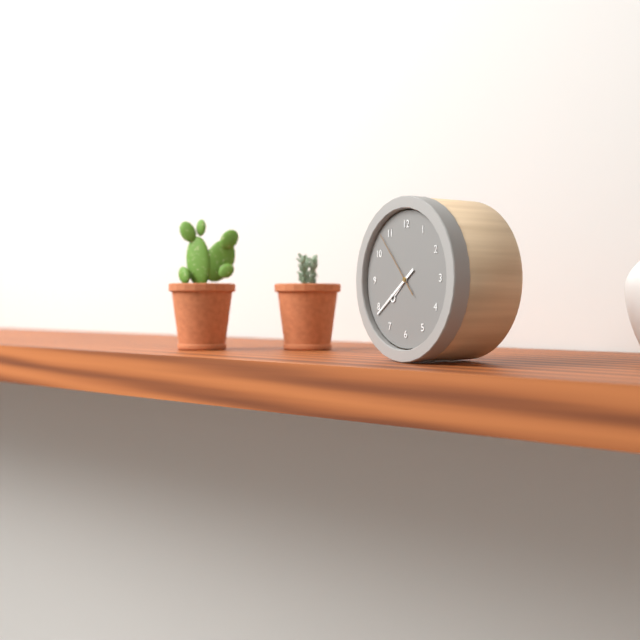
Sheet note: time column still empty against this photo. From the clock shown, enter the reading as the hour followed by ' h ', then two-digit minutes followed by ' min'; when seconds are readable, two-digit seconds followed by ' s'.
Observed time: 7 h 39 min 53 s
